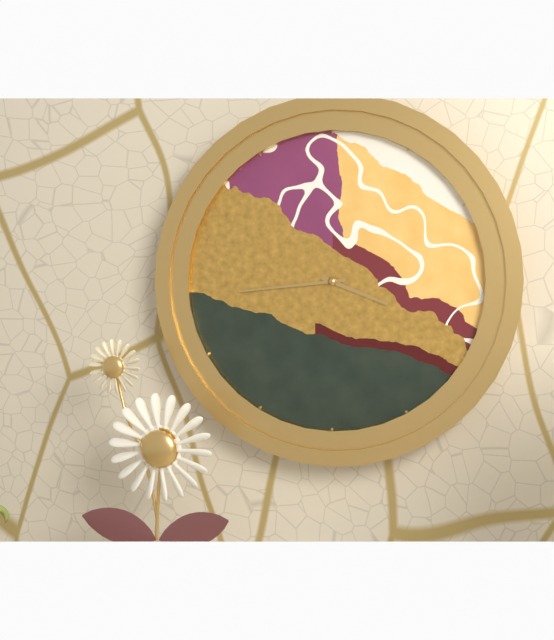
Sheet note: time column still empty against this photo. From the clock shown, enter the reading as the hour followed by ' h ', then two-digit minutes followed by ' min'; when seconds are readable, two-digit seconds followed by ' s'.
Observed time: 3 h 44 min
